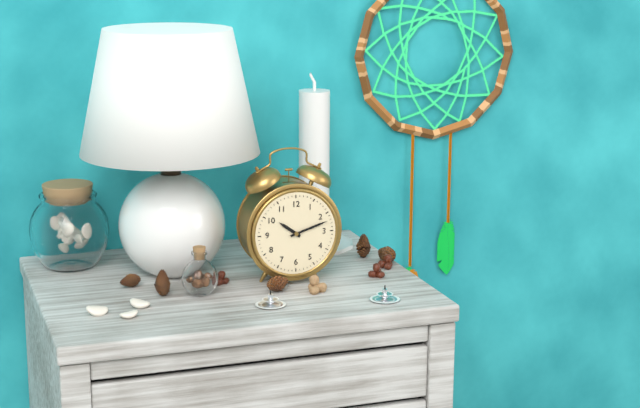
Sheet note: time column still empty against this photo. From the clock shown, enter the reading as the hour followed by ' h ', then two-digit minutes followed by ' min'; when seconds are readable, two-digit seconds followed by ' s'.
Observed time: 10 h 12 min
